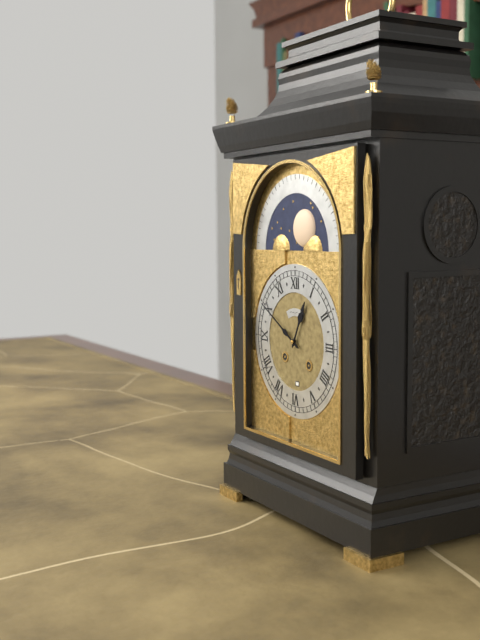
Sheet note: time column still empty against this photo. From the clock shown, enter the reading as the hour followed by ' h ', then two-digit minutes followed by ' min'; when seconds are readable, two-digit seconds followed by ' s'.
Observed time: 12 h 50 min
